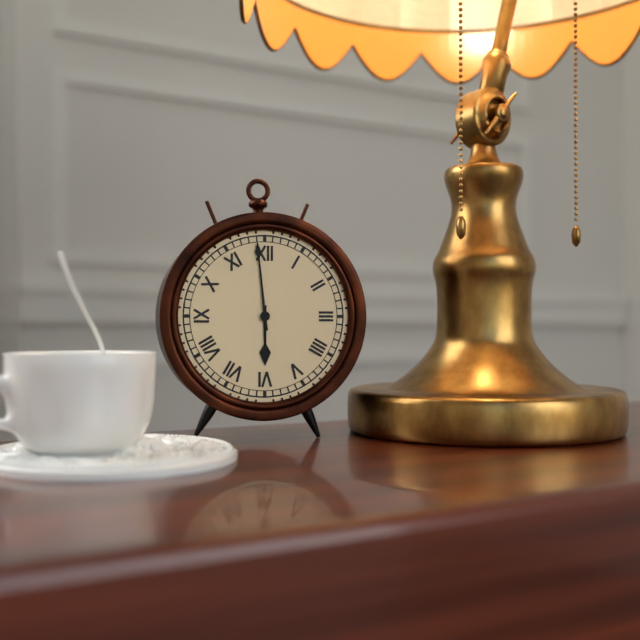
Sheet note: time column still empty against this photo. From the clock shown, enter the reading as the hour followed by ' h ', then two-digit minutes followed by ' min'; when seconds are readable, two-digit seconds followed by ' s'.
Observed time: 5 h 59 min
